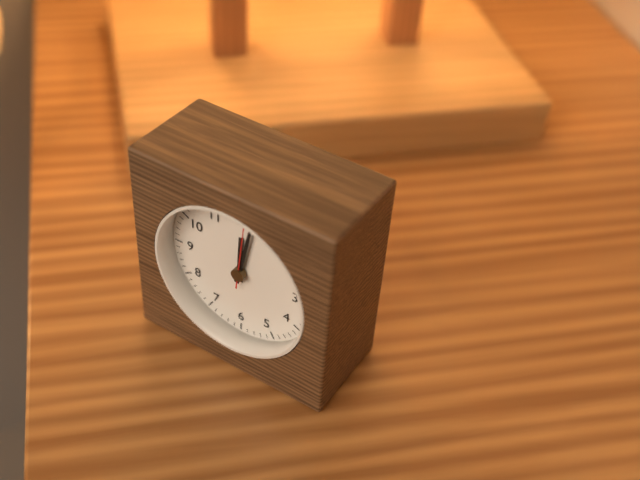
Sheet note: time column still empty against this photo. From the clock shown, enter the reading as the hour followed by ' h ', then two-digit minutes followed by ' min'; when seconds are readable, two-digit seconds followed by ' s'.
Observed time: 12 h 02 min 01 s
